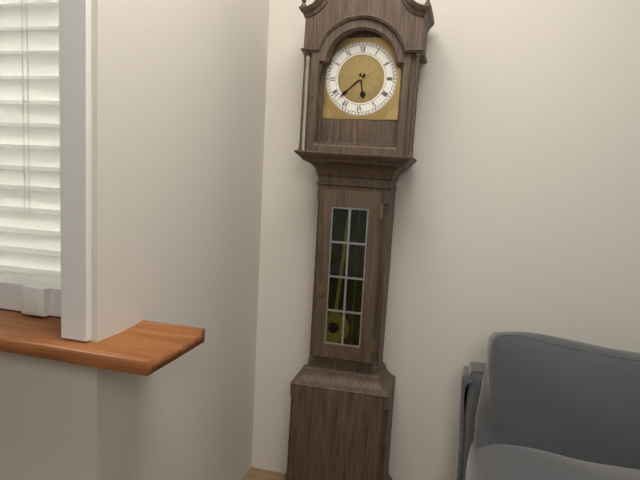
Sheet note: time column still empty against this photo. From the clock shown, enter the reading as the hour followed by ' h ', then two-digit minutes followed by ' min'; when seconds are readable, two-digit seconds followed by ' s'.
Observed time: 5 h 38 min
